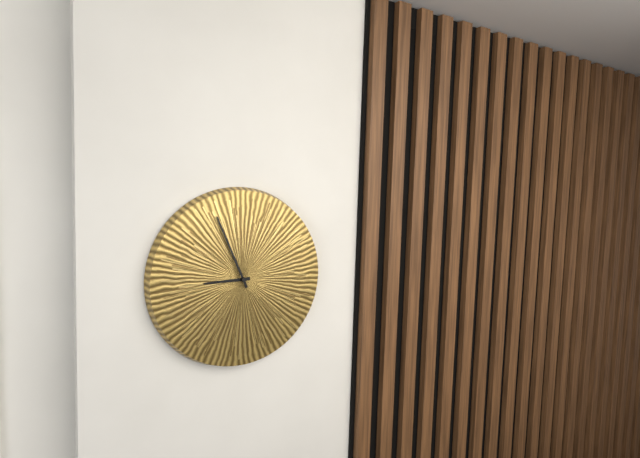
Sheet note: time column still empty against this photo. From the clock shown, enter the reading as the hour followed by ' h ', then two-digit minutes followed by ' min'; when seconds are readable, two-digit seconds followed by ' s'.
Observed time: 8 h 56 min
